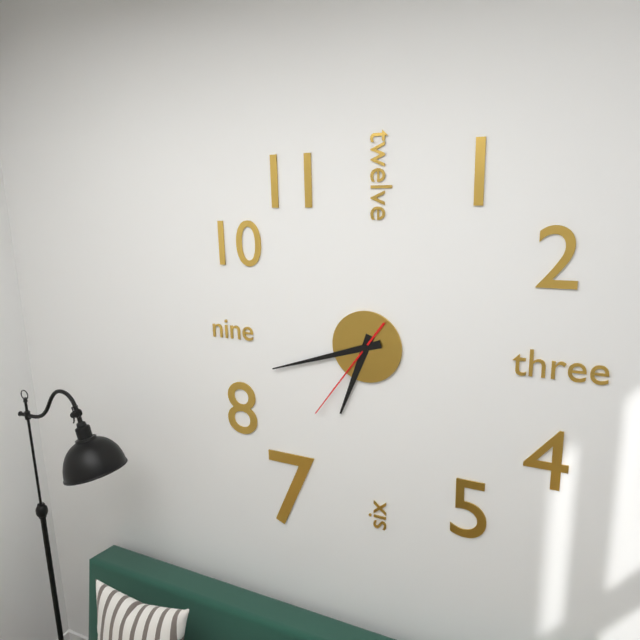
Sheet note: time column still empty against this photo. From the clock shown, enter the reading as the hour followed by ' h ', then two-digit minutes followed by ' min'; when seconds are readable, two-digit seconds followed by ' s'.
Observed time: 6 h 42 min 36 s
